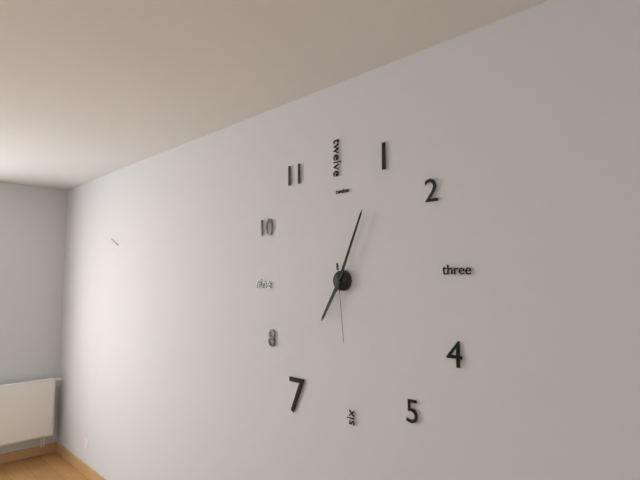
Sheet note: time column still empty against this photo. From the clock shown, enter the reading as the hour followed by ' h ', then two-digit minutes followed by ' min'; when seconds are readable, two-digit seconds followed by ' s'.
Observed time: 7 h 04 min 29 s
